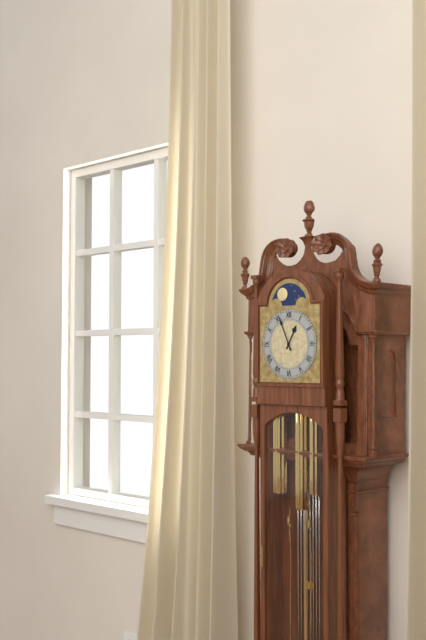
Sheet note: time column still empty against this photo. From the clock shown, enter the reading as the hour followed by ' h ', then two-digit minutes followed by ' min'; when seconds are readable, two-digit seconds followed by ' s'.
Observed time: 12 h 56 min
